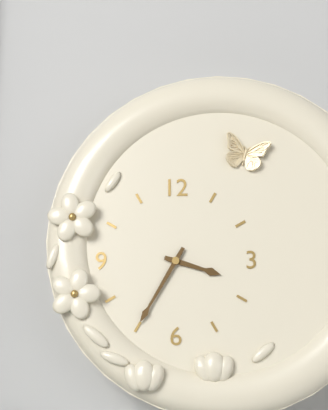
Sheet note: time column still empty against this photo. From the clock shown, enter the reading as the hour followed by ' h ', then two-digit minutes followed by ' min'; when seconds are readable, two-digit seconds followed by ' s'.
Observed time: 3 h 35 min
